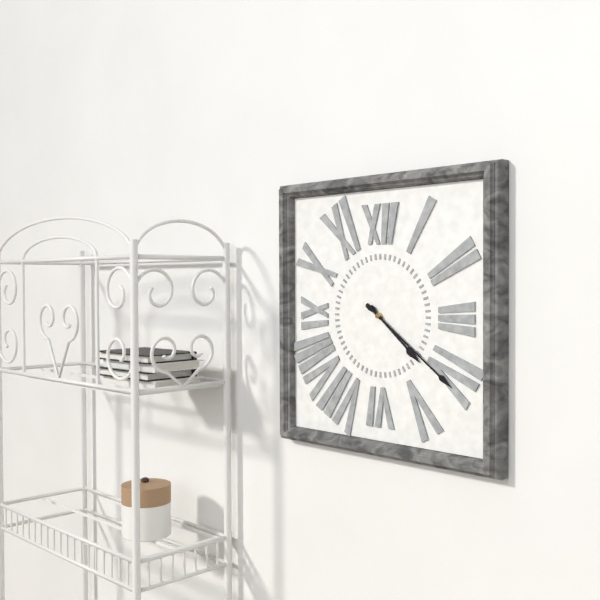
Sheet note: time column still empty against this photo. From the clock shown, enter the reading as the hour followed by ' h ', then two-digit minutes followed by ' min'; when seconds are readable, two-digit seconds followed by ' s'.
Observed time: 4 h 21 min
